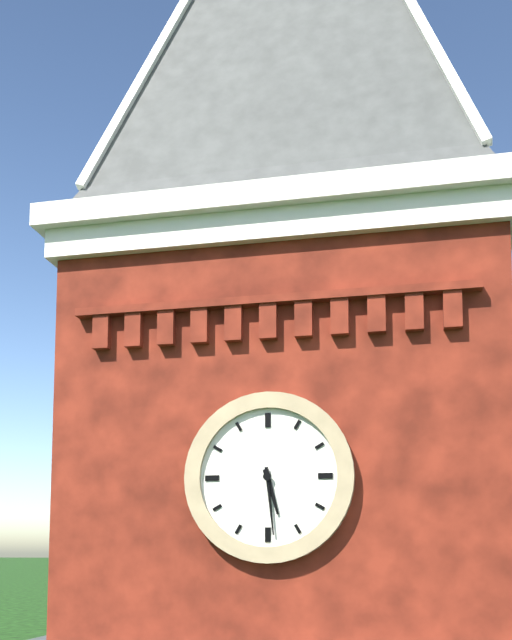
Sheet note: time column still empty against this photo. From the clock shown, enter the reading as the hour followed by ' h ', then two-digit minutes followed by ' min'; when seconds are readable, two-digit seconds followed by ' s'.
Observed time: 5 h 29 min
